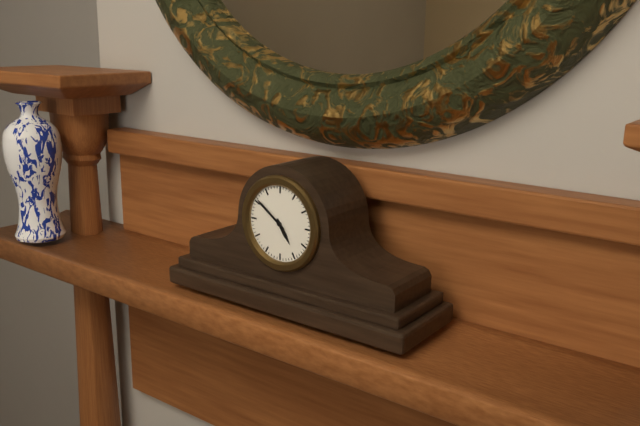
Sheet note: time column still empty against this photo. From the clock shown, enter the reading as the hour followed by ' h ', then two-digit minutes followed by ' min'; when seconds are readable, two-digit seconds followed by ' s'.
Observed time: 4 h 51 min
